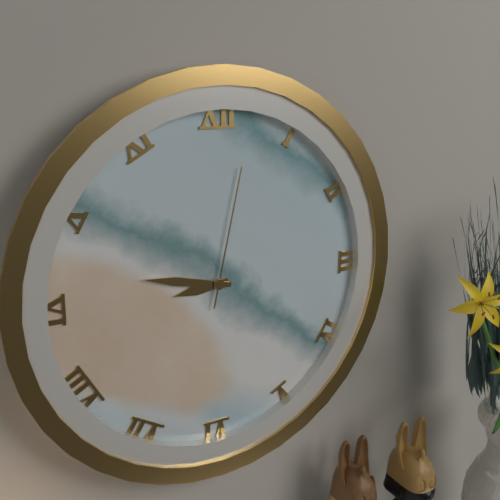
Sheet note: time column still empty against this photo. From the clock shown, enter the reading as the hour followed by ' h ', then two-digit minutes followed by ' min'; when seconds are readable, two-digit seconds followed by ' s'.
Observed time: 8 h 47 min 02 s
